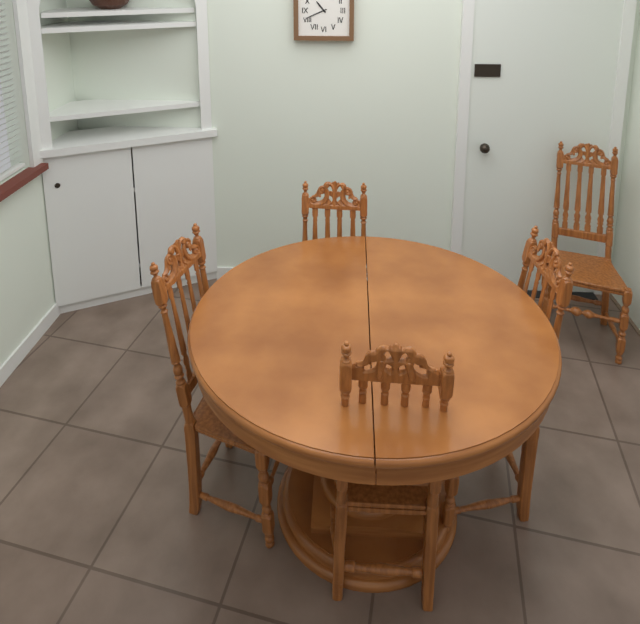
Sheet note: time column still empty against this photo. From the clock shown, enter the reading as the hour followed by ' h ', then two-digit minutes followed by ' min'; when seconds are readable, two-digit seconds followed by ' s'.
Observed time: 10 h 41 min
